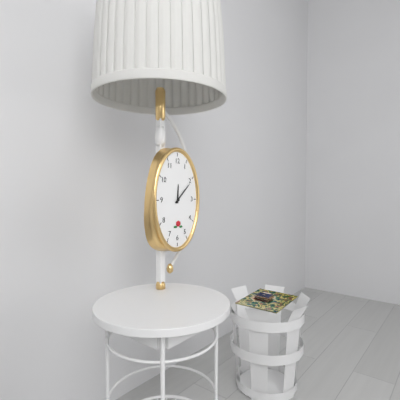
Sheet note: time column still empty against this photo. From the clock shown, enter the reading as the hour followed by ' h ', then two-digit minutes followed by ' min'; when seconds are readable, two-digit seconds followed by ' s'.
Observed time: 12 h 08 min
